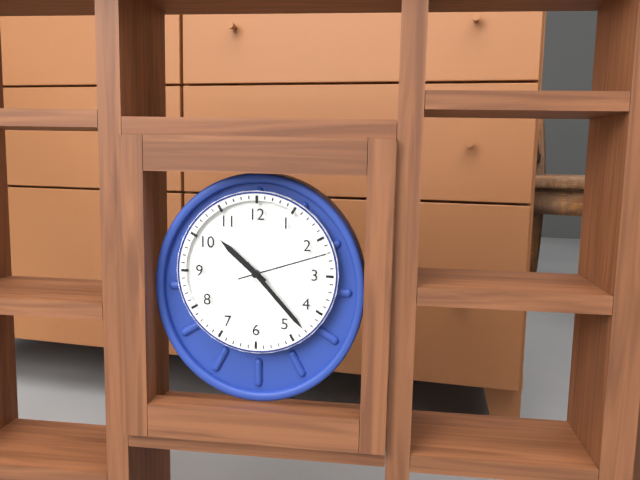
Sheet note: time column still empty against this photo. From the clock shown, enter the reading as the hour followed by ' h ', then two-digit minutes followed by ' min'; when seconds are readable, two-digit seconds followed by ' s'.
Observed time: 10 h 23 min 12 s
